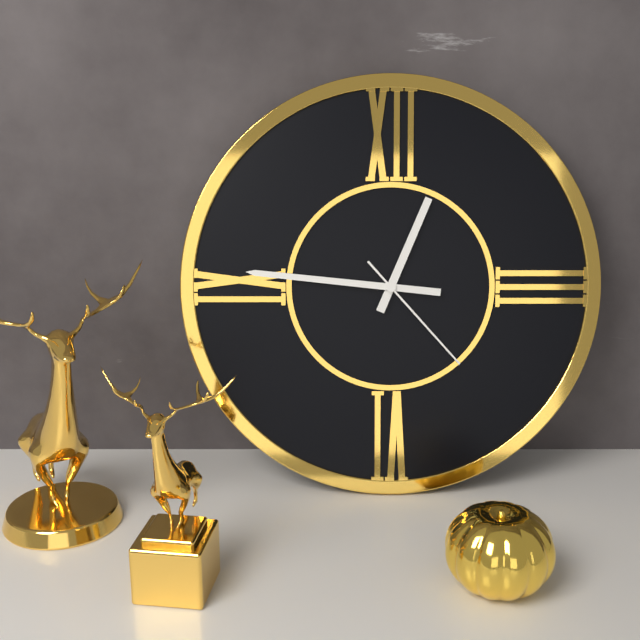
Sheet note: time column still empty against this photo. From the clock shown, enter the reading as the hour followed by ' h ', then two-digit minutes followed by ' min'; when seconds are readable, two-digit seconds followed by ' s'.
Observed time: 12 h 46 min 23 s
